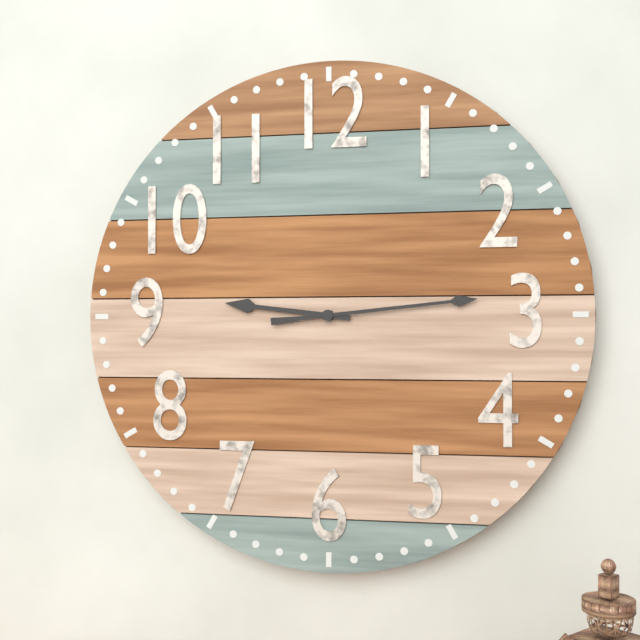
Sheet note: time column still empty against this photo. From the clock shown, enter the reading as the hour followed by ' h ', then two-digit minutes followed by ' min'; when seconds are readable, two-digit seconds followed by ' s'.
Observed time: 9 h 14 min
